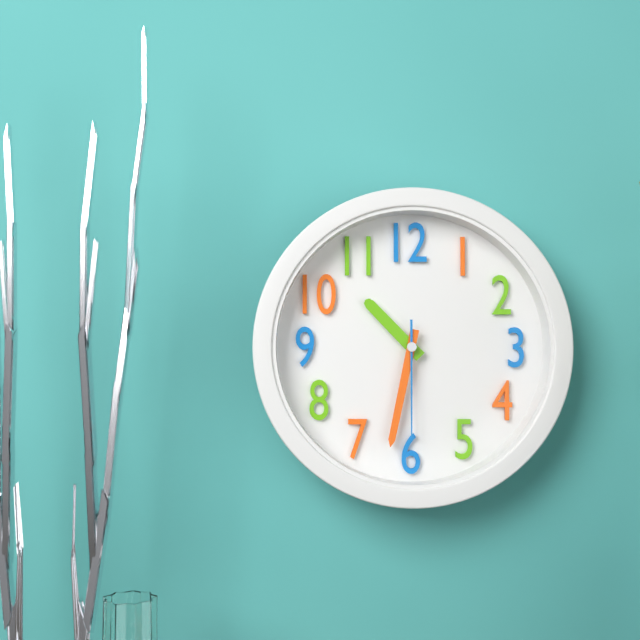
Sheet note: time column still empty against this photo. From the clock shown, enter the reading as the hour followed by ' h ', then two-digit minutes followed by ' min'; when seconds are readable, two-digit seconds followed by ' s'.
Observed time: 10 h 32 min 30 s
